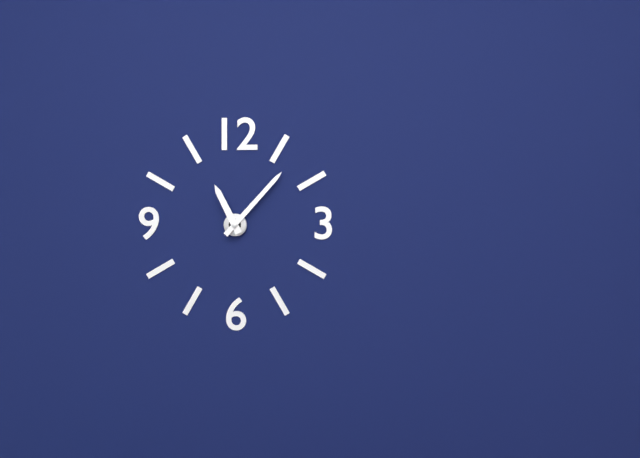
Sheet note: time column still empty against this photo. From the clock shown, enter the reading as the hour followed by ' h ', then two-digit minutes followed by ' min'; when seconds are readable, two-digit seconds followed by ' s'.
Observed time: 11 h 07 min
